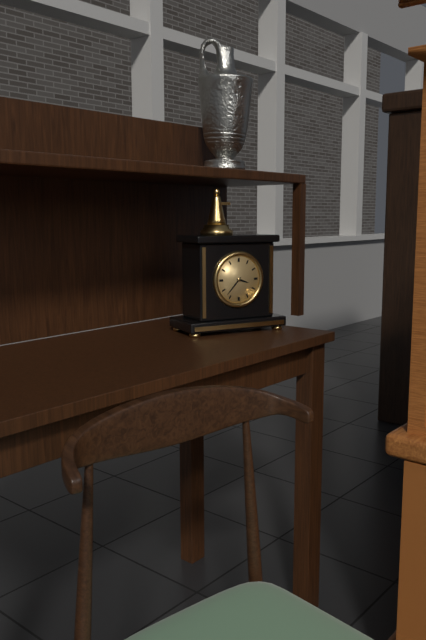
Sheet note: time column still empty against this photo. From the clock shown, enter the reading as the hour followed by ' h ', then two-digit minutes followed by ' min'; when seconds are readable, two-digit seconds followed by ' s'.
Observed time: 3 h 37 min
